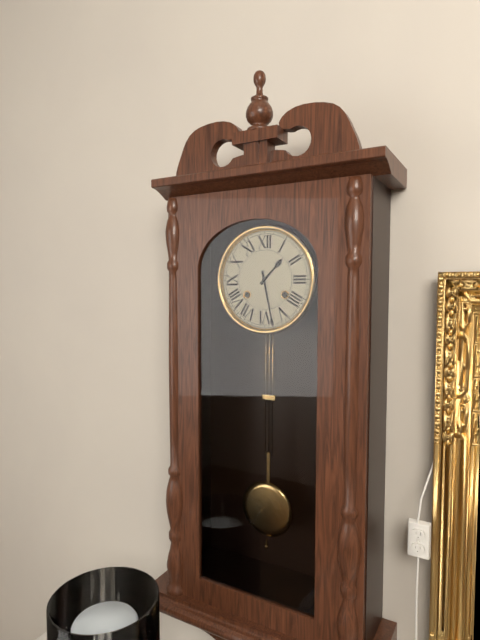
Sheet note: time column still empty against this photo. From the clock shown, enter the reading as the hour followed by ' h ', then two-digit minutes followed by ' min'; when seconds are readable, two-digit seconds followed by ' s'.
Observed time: 1 h 28 min
